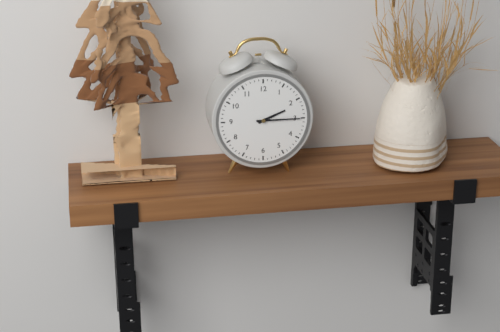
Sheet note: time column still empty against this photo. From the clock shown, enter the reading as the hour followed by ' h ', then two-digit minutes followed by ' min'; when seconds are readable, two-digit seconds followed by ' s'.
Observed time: 2 h 15 min
